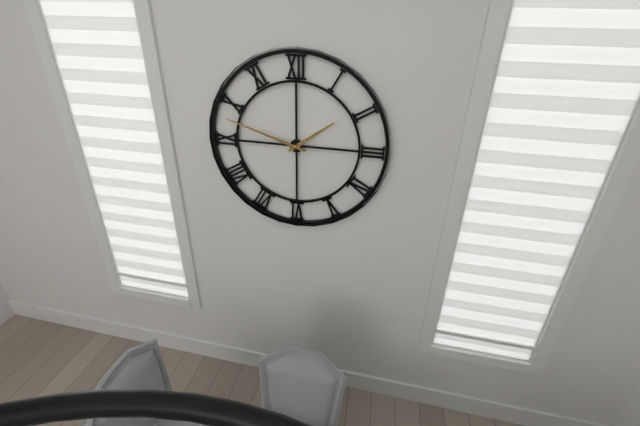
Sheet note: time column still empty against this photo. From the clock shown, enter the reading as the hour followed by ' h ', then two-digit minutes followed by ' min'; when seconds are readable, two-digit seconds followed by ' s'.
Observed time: 1 h 48 min
